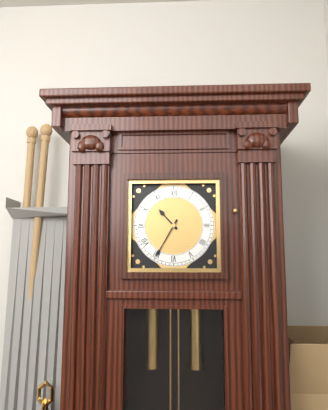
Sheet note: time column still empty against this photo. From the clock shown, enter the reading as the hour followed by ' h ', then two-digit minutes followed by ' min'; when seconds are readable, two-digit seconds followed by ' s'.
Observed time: 10 h 35 min
